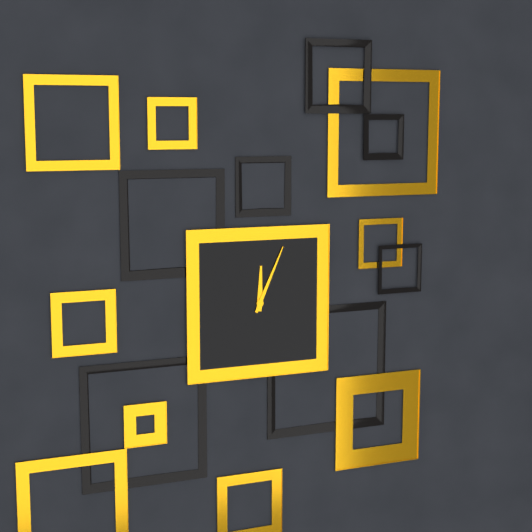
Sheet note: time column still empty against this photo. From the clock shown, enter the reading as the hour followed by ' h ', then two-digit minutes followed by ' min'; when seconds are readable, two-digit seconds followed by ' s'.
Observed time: 12 h 04 min
